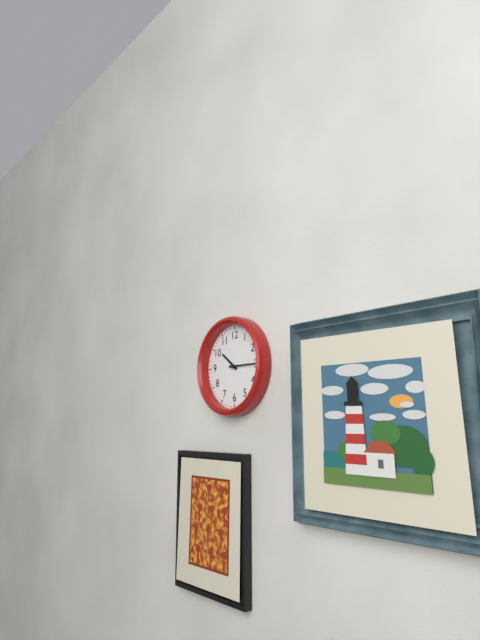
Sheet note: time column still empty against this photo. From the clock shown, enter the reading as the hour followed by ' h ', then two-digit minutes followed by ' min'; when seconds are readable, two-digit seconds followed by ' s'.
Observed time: 10 h 15 min
